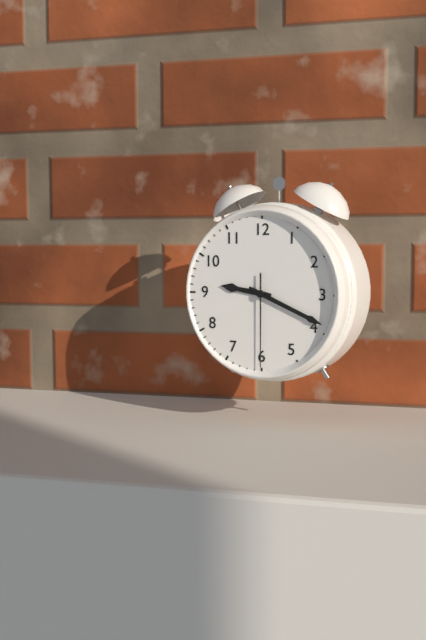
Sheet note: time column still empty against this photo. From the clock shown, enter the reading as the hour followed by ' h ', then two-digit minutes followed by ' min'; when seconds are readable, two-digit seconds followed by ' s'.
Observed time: 9 h 19 min 30 s
